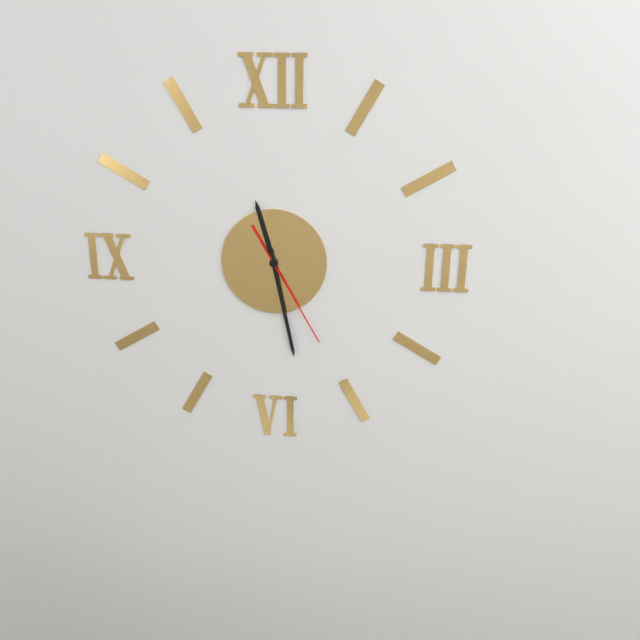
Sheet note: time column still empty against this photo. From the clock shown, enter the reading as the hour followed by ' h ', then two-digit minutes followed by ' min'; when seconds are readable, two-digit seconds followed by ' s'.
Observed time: 11 h 28 min 25 s
